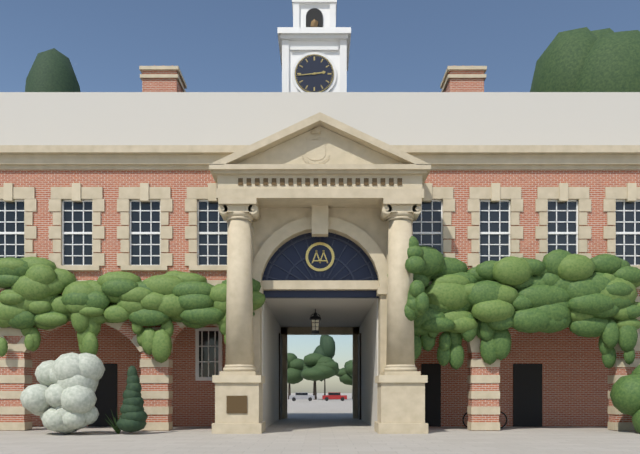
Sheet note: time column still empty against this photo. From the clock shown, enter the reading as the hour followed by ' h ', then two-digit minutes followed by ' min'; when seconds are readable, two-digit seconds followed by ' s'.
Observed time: 2 h 44 min
